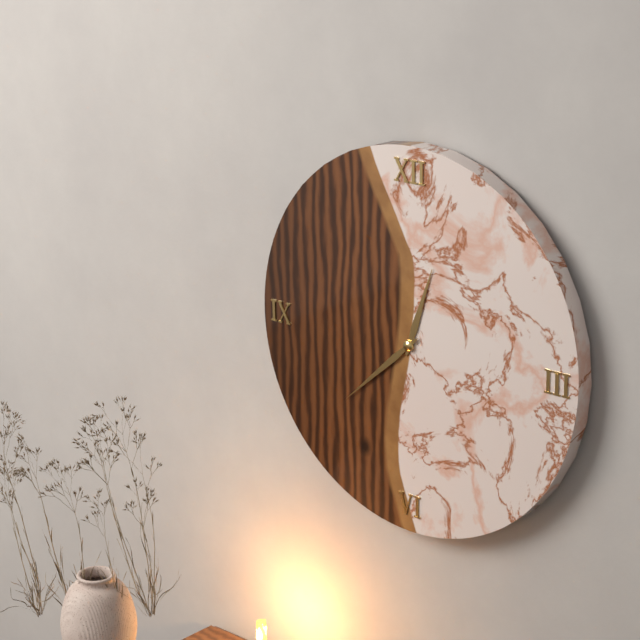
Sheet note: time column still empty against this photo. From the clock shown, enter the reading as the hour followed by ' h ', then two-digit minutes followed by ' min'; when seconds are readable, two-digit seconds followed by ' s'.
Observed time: 12 h 38 min
